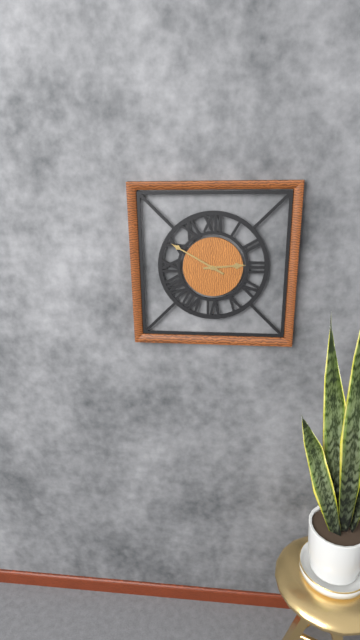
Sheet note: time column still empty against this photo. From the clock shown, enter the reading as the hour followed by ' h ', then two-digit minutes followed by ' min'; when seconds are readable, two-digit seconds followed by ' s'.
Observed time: 2 h 50 min
